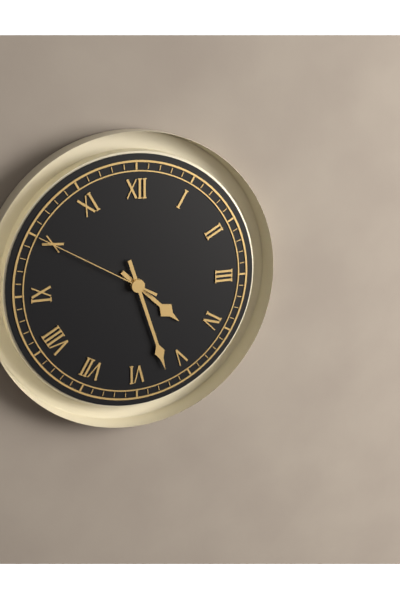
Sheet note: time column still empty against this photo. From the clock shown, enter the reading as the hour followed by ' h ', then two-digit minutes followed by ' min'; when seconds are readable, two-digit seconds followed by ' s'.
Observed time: 4 h 27 min 50 s
